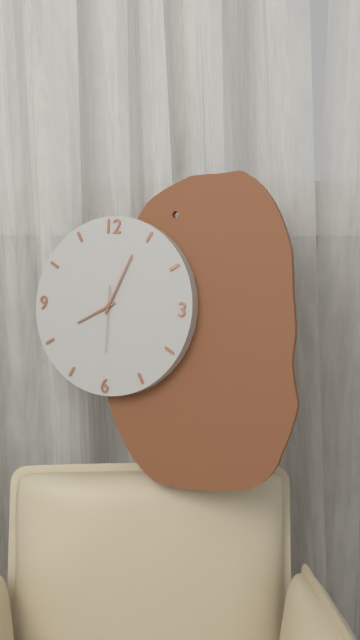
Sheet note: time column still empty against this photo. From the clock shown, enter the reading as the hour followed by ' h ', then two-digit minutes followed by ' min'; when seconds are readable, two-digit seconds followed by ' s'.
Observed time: 8 h 04 min 30 s
